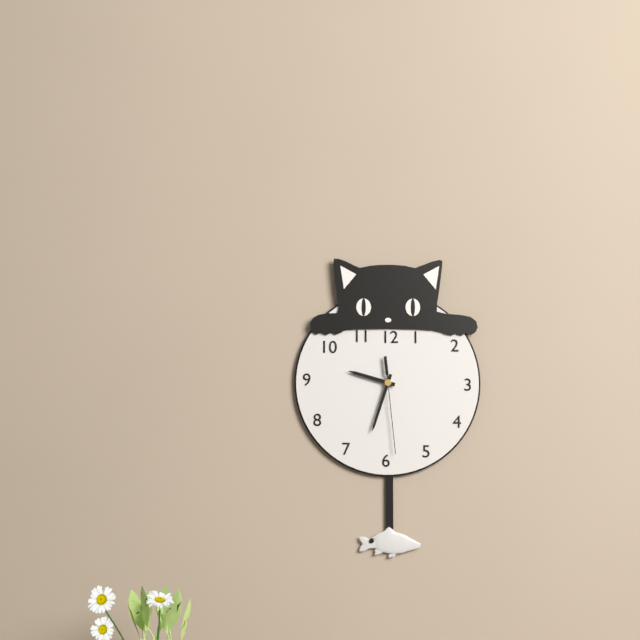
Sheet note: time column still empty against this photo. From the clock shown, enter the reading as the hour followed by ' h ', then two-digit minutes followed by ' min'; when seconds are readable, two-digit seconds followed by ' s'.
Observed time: 9 h 33 min 29 s
